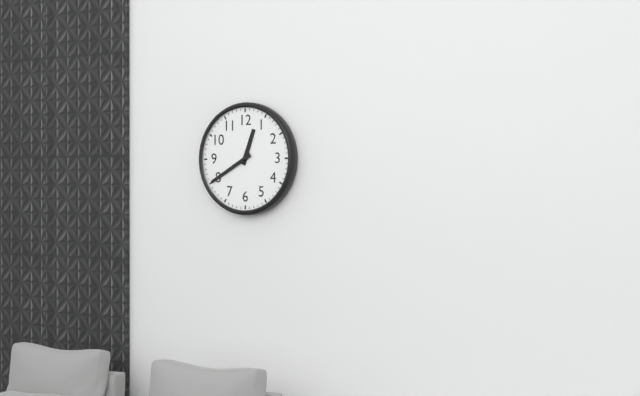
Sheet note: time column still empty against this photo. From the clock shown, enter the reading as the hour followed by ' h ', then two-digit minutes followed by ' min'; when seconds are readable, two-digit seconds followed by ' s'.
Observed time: 12 h 40 min
